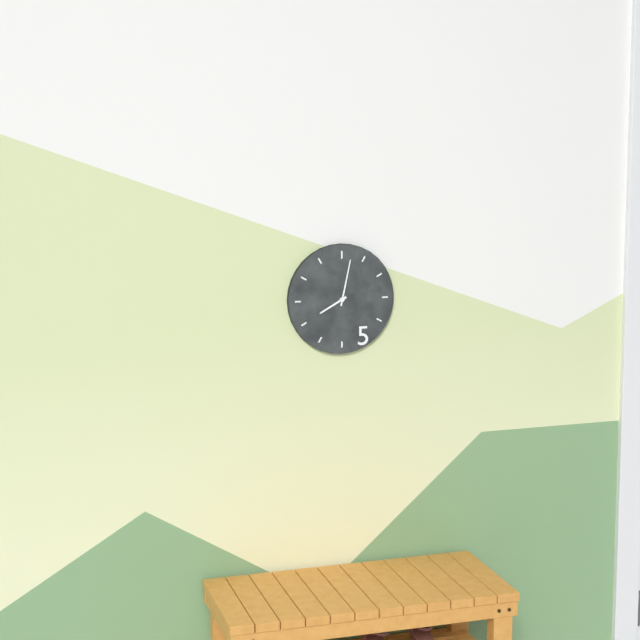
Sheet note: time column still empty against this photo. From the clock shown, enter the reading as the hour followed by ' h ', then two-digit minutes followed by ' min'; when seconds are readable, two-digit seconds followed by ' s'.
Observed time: 8 h 02 min
